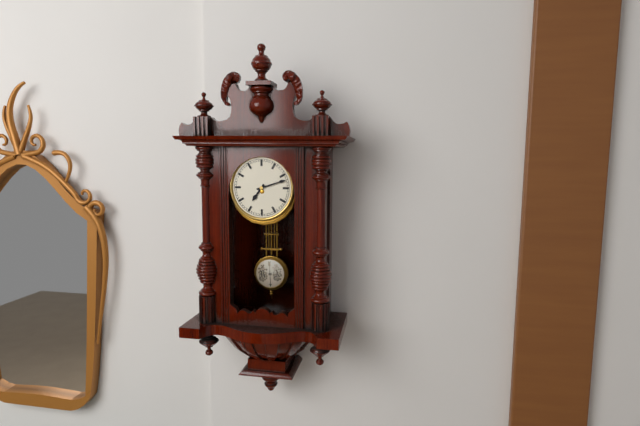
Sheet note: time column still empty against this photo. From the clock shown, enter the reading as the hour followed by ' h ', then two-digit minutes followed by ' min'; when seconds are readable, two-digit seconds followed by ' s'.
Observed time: 7 h 12 min
